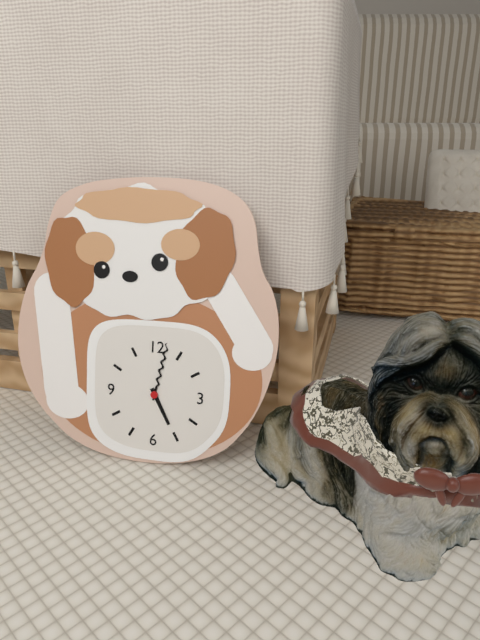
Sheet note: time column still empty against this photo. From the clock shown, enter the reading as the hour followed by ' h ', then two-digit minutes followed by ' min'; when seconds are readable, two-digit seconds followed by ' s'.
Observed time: 5 h 02 min
